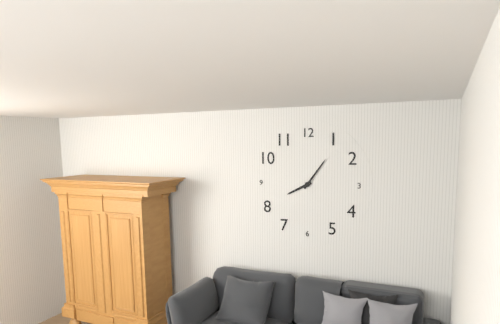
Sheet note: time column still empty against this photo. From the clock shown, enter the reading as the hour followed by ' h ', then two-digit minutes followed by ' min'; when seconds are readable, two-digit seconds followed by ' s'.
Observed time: 8 h 06 min
